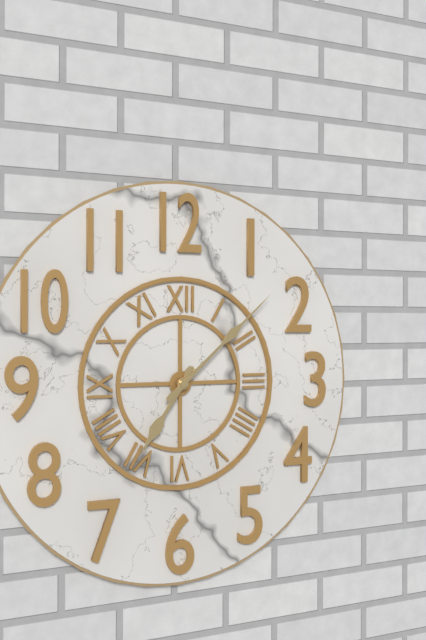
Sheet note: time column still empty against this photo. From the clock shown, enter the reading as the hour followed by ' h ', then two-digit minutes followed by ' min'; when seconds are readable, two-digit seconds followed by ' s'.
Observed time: 7 h 08 min
